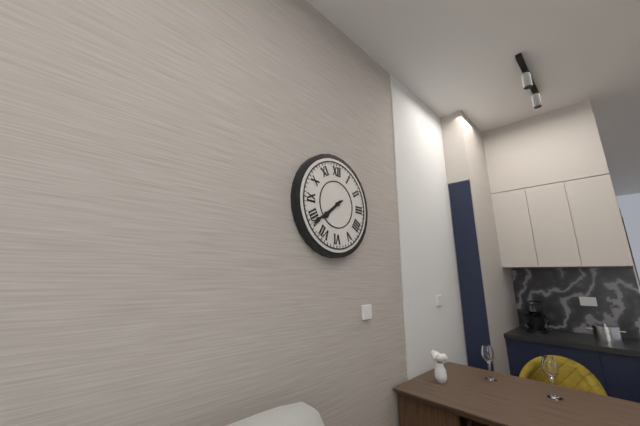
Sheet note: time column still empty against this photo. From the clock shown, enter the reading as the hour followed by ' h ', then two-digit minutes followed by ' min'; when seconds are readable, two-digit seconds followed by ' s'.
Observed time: 7 h 39 min
